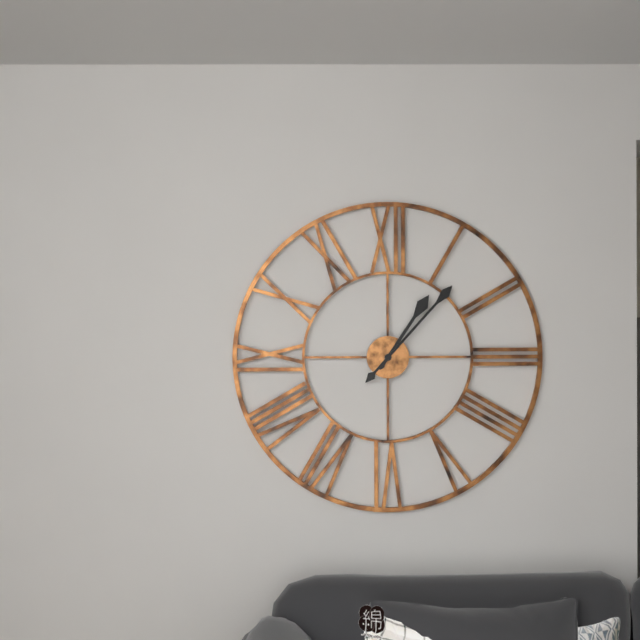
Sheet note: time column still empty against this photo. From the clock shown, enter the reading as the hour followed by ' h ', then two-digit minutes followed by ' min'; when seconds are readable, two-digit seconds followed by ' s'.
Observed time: 1 h 07 min
